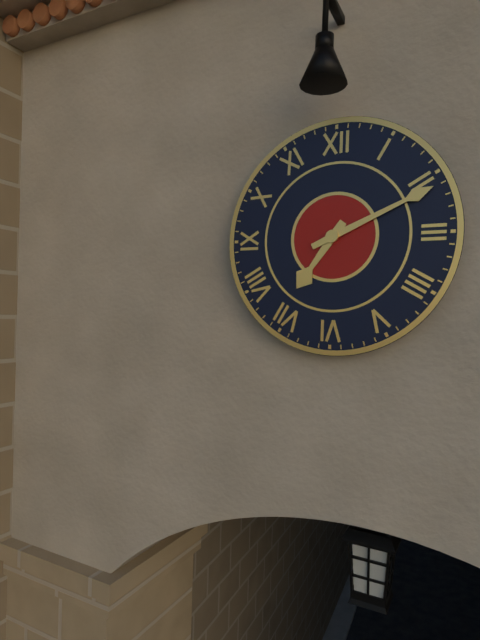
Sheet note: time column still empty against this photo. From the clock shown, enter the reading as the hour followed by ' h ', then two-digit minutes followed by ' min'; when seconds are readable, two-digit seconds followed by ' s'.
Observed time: 7 h 11 min
